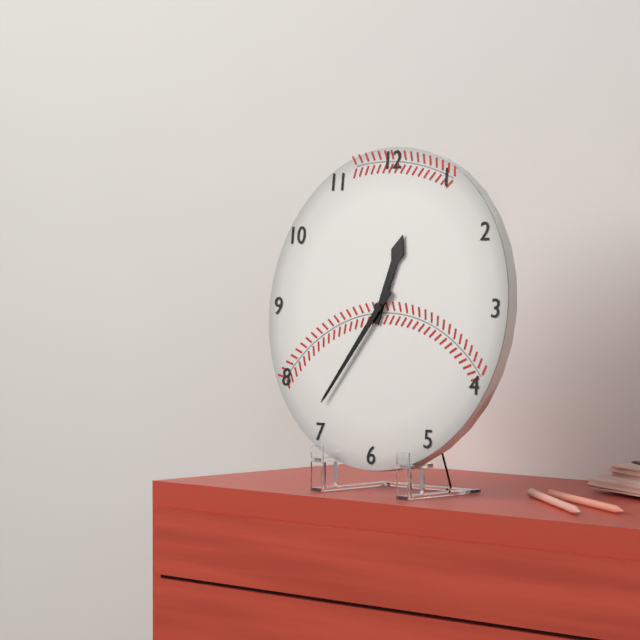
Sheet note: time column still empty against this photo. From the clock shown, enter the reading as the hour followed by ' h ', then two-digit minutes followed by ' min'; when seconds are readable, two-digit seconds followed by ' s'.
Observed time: 12 h 36 min
